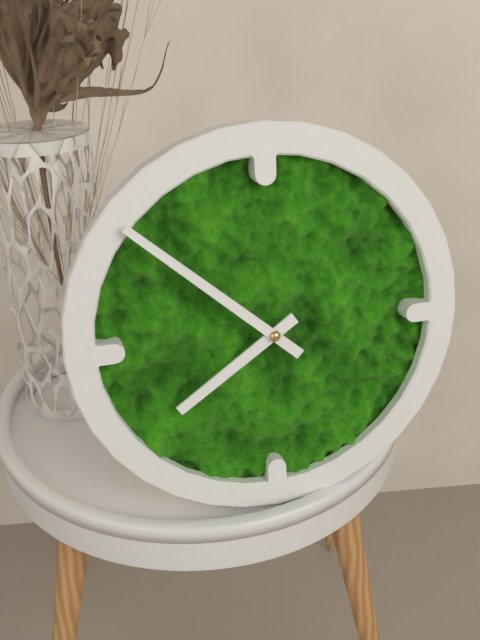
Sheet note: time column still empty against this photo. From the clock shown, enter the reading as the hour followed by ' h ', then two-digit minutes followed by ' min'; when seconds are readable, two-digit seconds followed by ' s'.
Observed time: 7 h 52 min
